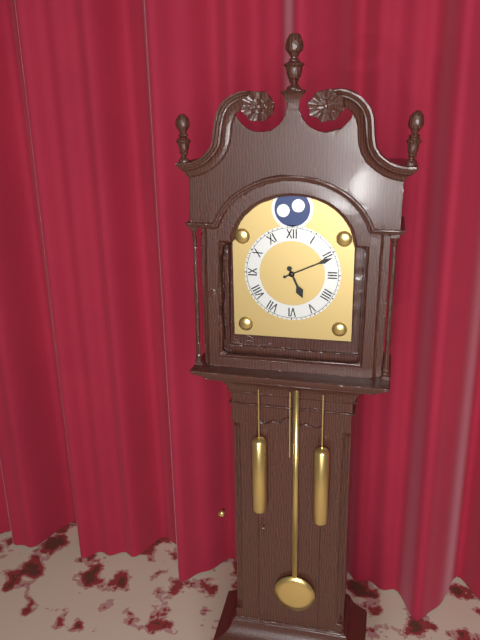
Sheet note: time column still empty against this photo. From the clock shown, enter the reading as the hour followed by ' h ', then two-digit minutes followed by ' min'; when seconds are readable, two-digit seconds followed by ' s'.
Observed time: 5 h 11 min
